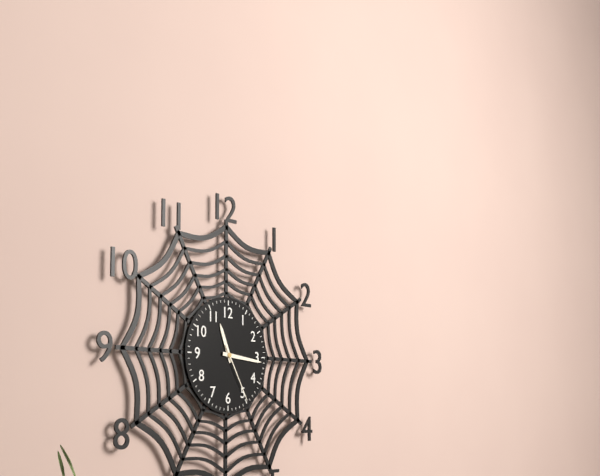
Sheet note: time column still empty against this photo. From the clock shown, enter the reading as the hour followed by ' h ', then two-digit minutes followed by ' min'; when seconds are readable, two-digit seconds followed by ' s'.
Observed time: 11 h 16 min 25 s
